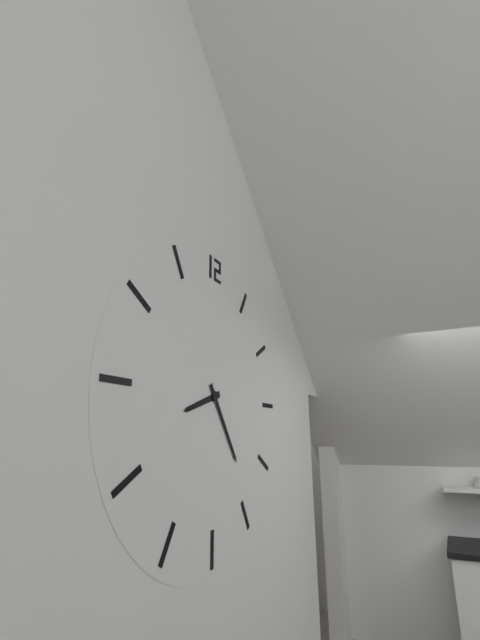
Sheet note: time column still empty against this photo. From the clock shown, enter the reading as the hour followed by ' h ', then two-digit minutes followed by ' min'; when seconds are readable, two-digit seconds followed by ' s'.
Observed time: 8 h 24 min
